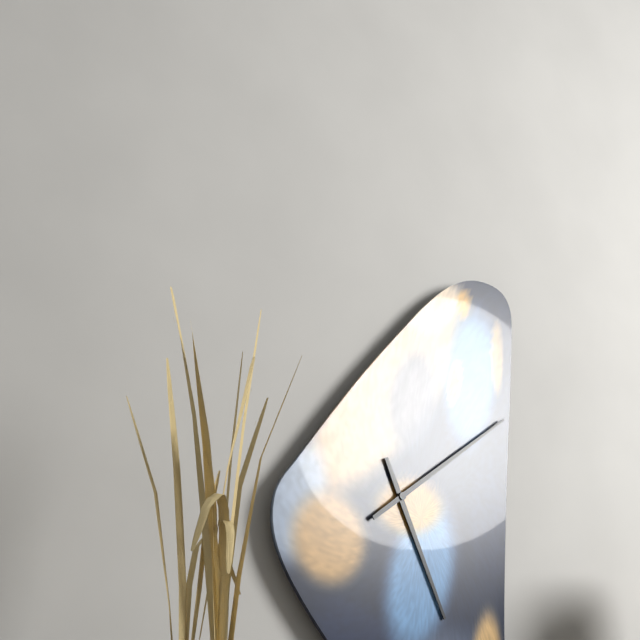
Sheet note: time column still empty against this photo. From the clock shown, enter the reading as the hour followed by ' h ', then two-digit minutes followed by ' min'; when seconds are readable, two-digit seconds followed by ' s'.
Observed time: 5 h 09 min
